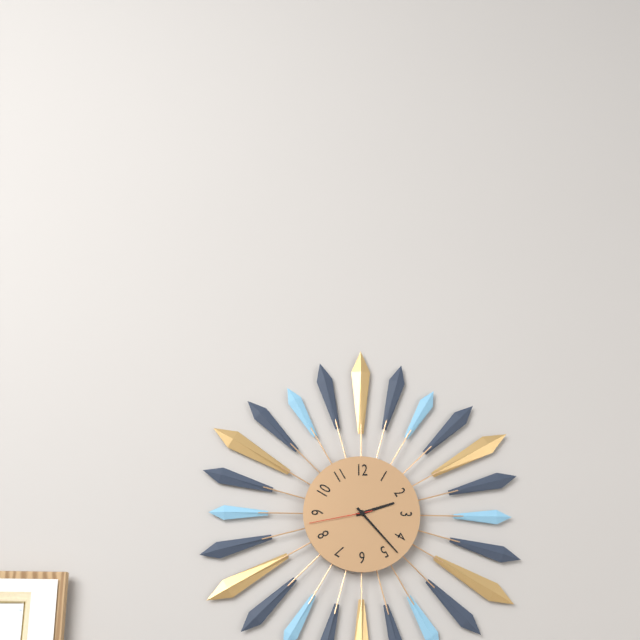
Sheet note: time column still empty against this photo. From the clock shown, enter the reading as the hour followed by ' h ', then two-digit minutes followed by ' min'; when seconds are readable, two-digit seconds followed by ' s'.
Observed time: 2 h 23 min 43 s
